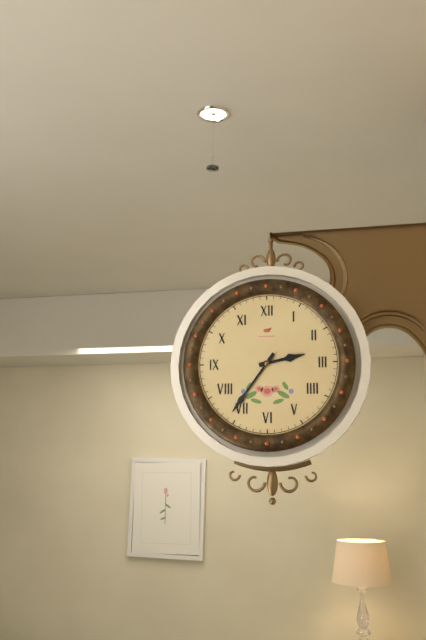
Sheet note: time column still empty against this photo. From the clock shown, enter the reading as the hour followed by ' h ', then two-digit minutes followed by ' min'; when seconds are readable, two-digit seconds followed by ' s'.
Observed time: 2 h 36 min
